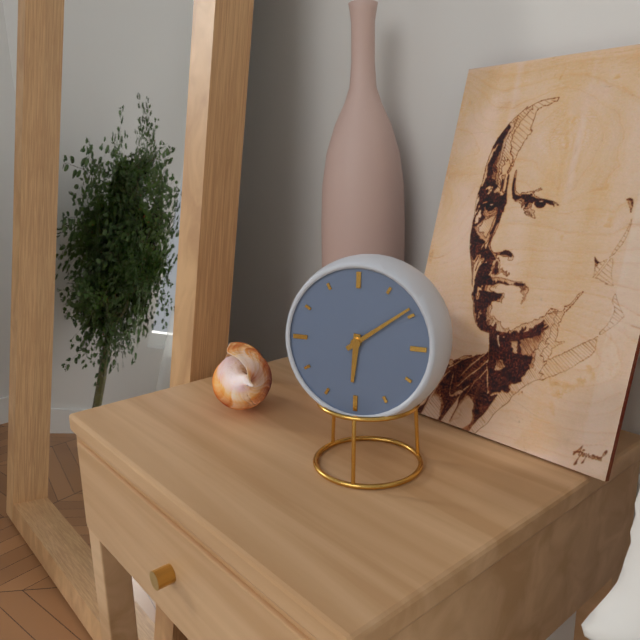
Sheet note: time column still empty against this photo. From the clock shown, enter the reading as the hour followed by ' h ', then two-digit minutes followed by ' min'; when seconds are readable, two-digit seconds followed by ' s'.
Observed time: 6 h 09 min
